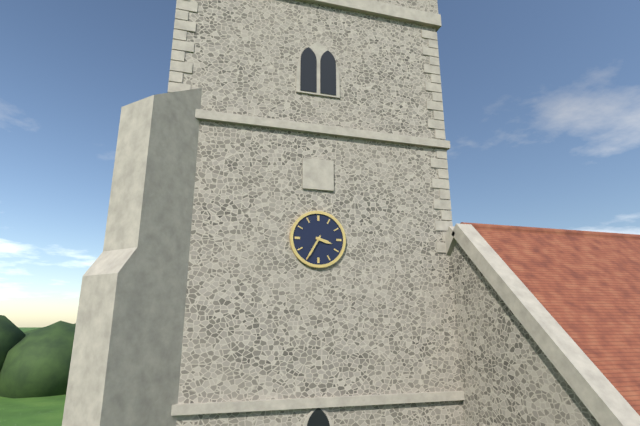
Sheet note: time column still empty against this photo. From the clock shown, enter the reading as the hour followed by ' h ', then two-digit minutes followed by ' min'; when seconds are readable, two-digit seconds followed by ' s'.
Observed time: 3 h 35 min
